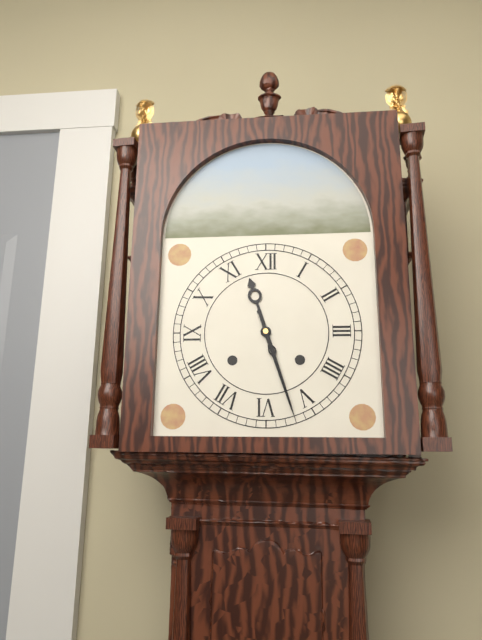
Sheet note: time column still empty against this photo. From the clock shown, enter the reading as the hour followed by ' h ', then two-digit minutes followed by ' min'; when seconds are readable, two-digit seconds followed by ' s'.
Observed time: 11 h 27 min
